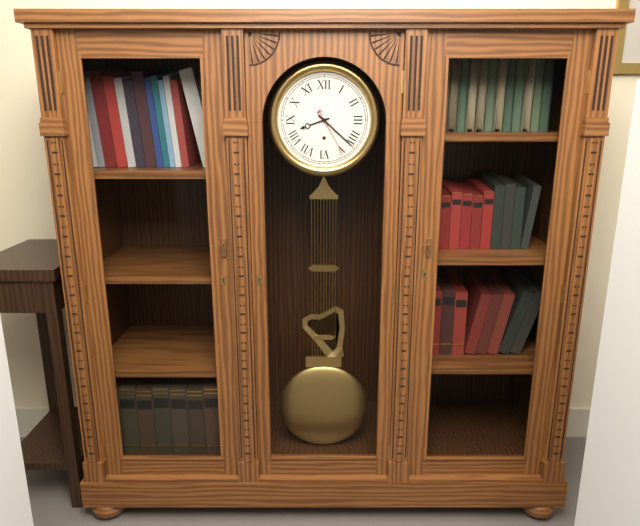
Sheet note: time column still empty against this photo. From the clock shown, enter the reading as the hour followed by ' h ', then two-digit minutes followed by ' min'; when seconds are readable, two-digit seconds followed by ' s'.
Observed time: 8 h 22 min
